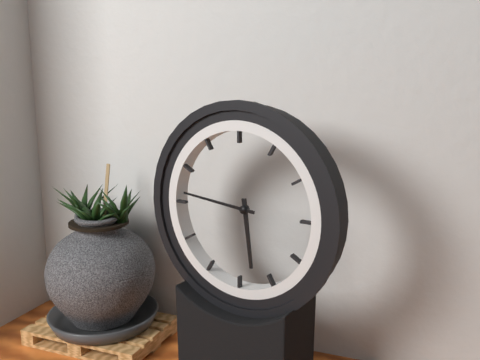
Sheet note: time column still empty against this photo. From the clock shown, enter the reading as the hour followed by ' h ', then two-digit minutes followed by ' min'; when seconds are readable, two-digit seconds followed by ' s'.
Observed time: 5 h 46 min
